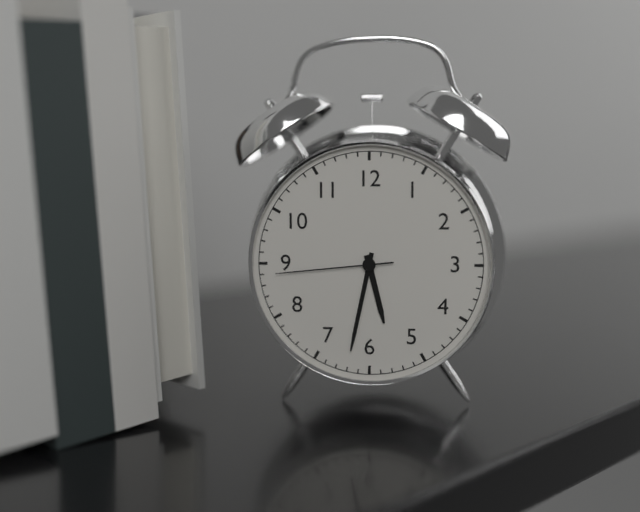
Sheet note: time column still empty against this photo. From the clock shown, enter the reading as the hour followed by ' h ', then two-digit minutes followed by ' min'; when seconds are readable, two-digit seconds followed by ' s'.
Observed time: 5 h 32 min 44 s
